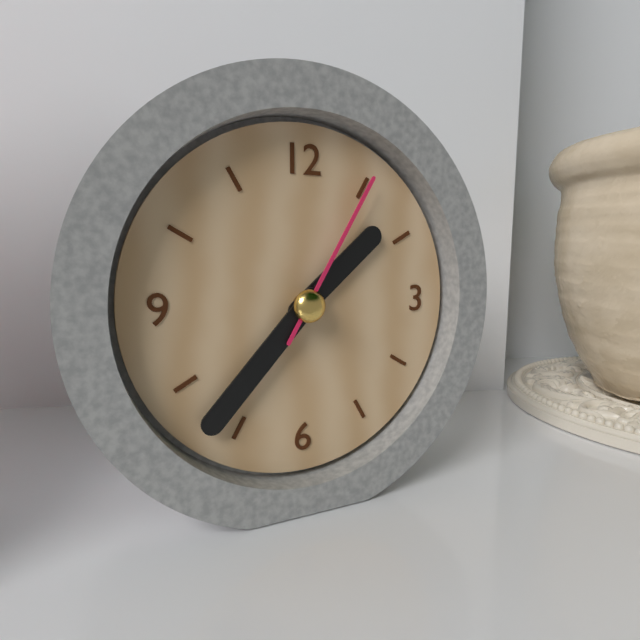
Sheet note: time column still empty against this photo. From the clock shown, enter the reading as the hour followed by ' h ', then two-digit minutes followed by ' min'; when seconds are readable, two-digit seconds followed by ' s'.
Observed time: 1 h 37 min 05 s
